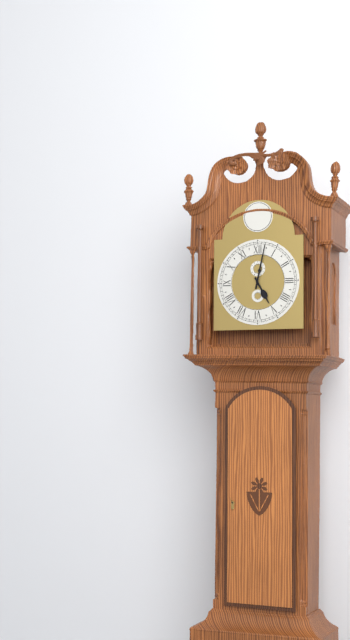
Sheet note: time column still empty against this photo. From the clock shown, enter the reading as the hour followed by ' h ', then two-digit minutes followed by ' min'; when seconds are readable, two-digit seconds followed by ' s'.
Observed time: 5 h 02 min
